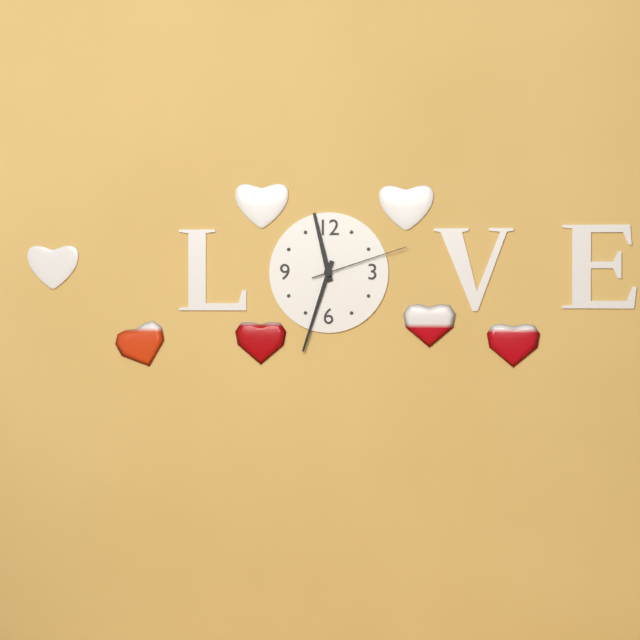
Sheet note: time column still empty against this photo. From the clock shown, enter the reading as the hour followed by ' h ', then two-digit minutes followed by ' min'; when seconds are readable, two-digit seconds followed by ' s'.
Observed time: 11 h 33 min 12 s
